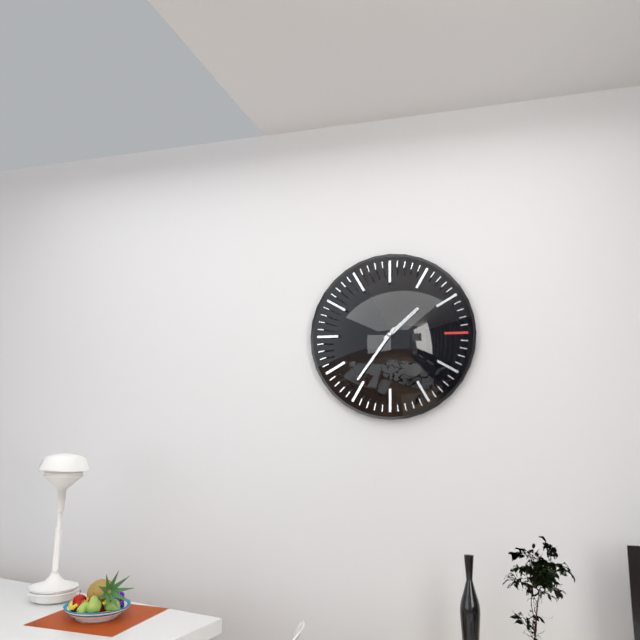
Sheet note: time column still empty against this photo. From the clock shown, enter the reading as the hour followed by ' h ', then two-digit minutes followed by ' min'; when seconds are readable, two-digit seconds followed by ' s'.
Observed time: 1 h 36 min
